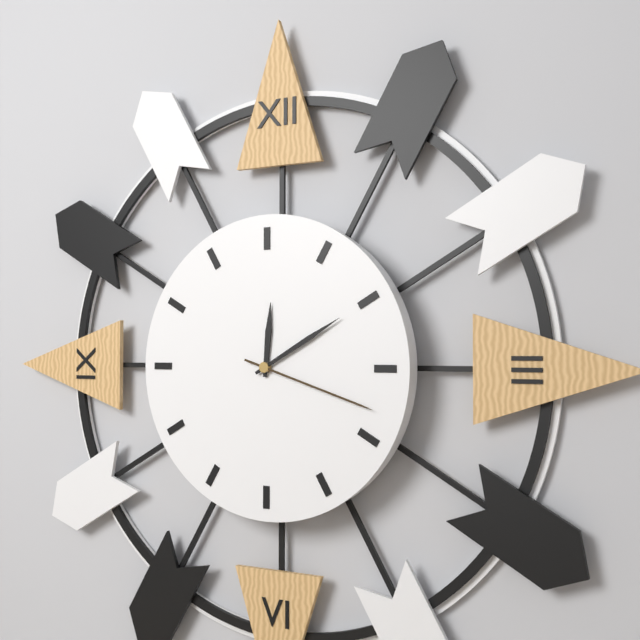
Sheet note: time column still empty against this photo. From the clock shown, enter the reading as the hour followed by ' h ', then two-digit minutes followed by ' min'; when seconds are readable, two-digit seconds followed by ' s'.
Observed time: 12 h 10 min 18 s
